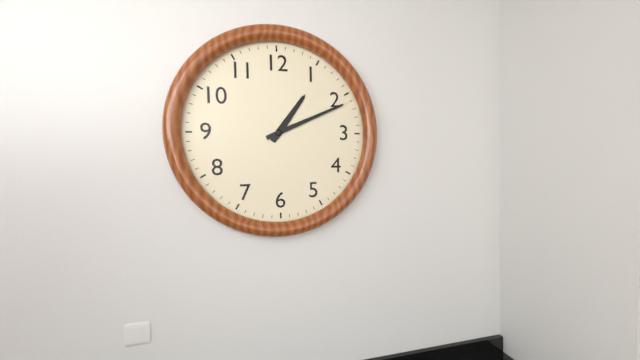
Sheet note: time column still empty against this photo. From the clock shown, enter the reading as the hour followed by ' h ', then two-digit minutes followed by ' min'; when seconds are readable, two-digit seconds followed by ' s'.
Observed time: 1 h 11 min
